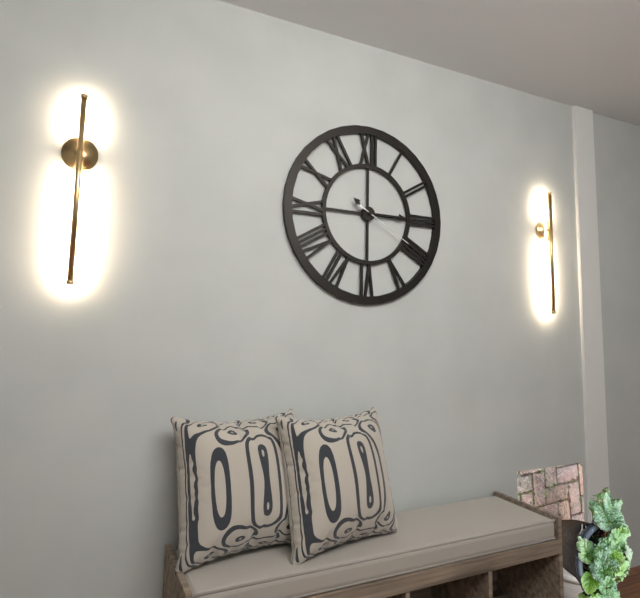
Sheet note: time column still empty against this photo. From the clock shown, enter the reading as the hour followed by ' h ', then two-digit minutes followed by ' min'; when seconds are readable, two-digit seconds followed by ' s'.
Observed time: 10 h 15 min 20 s
